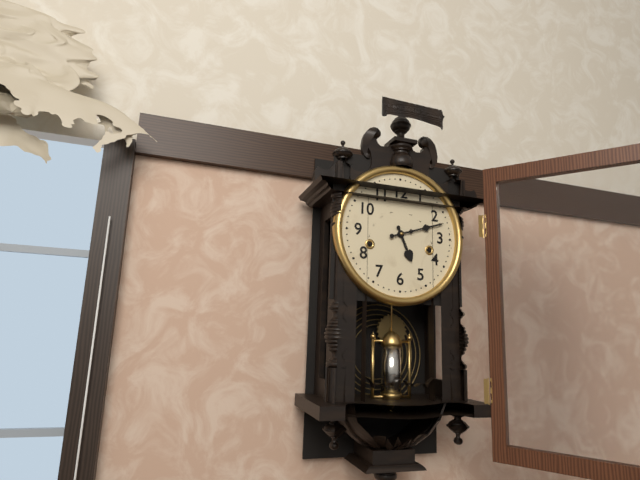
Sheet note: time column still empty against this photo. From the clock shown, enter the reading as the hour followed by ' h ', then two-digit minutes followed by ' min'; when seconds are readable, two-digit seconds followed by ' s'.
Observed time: 5 h 12 min
